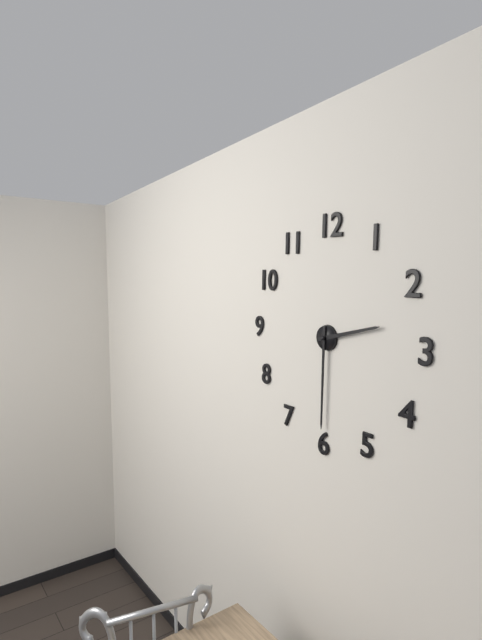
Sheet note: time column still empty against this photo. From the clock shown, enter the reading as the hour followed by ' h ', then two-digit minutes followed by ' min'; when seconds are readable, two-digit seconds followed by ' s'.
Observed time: 2 h 30 min
